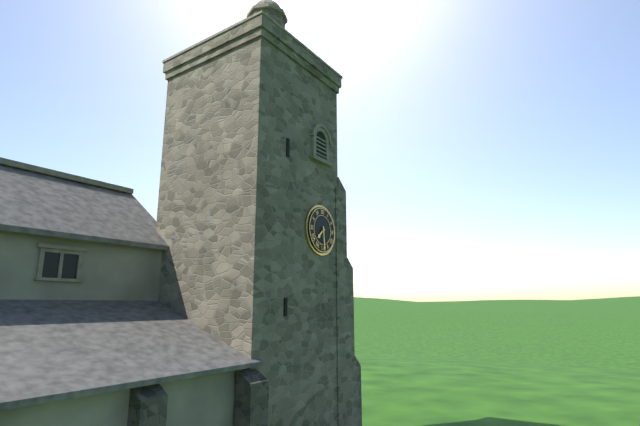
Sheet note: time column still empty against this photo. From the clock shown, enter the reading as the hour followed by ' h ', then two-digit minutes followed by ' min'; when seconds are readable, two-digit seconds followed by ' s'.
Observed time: 7 h 29 min
